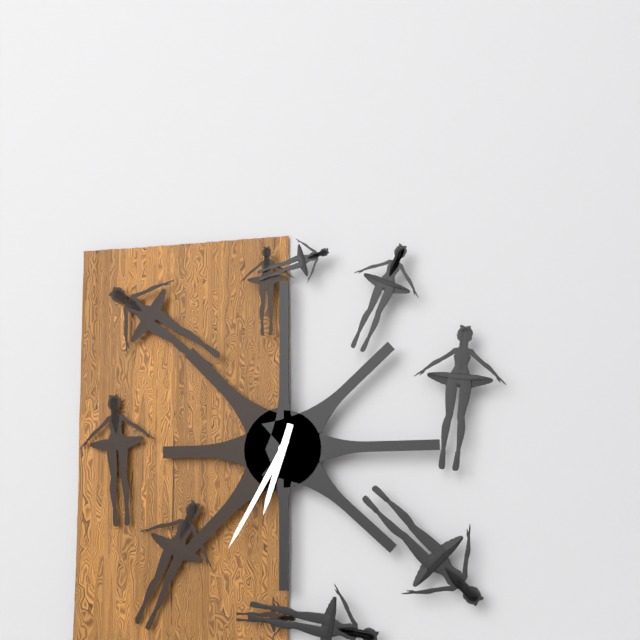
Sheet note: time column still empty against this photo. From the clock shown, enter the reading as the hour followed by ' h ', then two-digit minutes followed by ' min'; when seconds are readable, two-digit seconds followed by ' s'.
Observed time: 6 h 35 min
